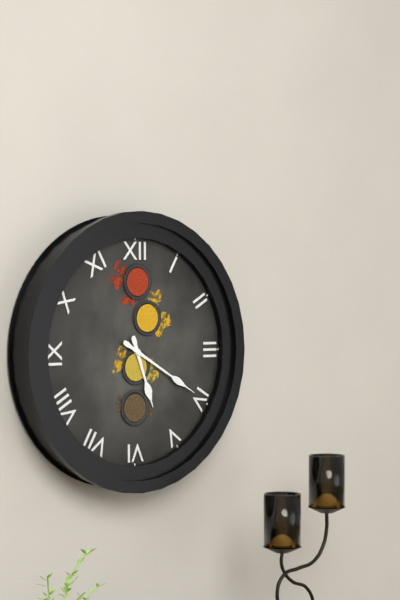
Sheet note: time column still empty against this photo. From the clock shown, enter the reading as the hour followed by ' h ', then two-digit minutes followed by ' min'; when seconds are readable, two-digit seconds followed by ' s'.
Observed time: 5 h 20 min
